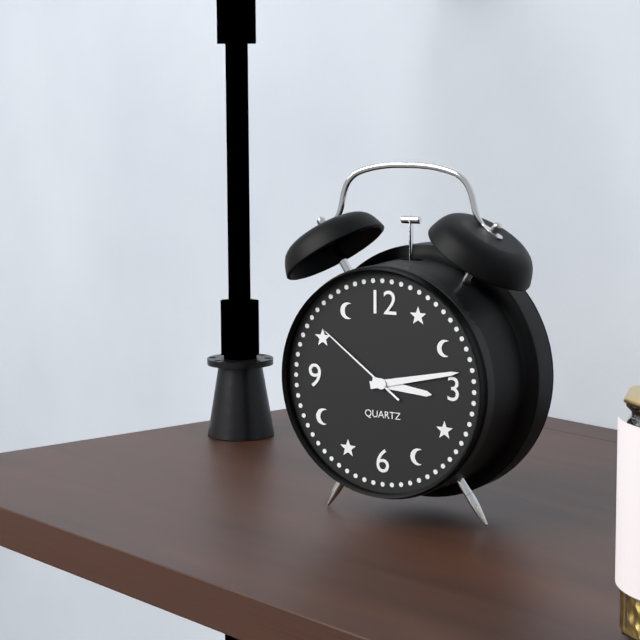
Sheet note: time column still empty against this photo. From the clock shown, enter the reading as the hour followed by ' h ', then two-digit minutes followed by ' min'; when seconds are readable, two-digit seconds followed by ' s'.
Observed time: 3 h 13 min 51 s
